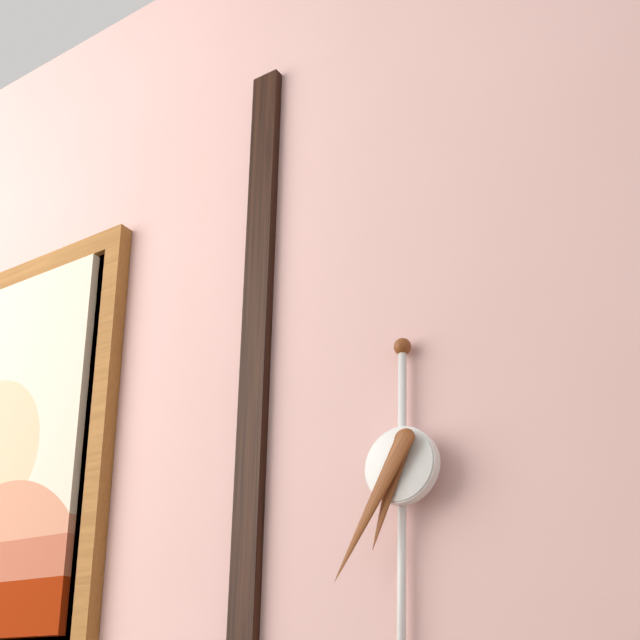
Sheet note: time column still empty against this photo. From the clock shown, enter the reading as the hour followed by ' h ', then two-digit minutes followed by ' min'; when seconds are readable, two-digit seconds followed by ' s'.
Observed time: 6 h 35 min
